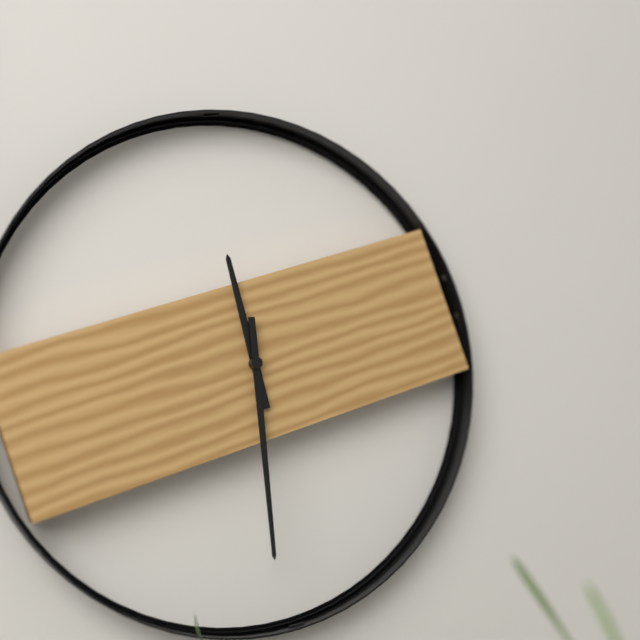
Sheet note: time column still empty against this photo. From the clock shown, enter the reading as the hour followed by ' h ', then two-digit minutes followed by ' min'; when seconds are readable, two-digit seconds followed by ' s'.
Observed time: 11 h 29 min
